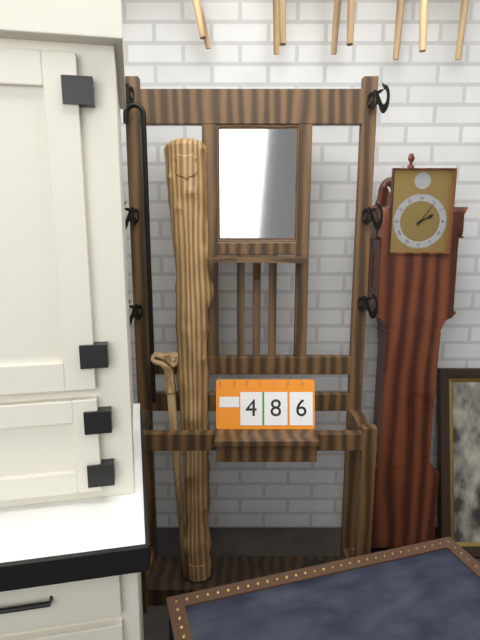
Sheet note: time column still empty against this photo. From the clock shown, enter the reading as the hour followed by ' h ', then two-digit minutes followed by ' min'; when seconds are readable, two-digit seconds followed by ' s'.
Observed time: 2 h 06 min
